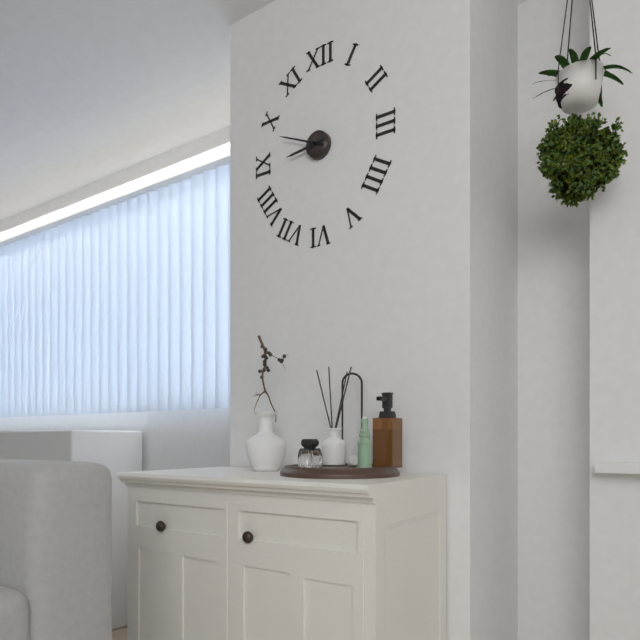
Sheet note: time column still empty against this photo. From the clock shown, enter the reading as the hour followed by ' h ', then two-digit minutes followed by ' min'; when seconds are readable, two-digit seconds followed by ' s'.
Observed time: 8 h 49 min
